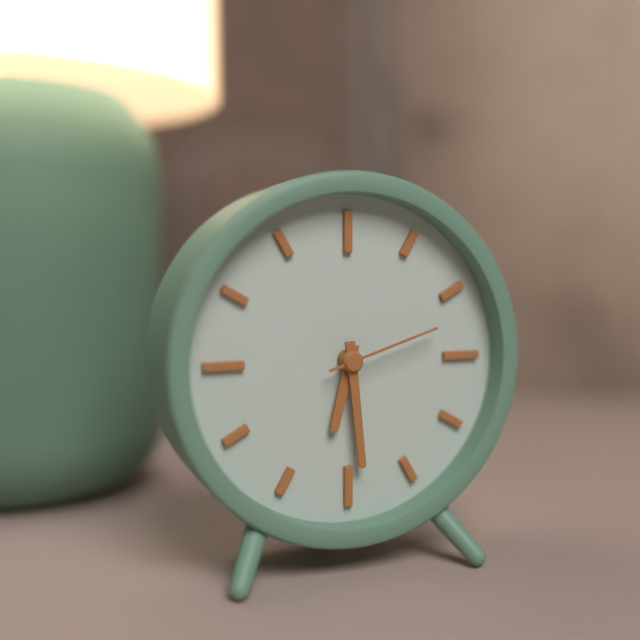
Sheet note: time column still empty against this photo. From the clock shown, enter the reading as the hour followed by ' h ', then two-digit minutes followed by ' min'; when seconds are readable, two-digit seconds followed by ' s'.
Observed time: 6 h 29 min 12 s
